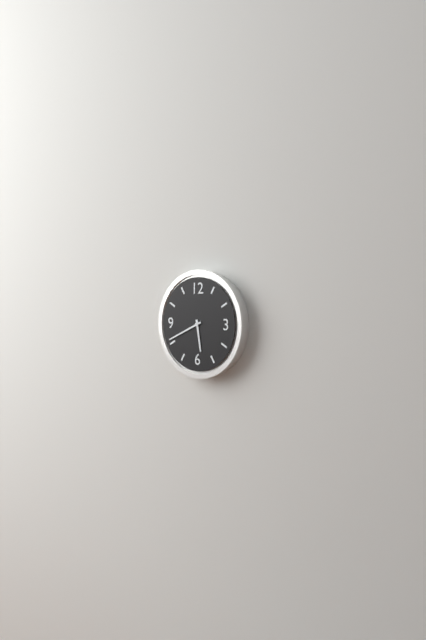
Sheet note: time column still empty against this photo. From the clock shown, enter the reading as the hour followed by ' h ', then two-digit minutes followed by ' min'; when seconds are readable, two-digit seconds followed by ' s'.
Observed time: 5 h 41 min
